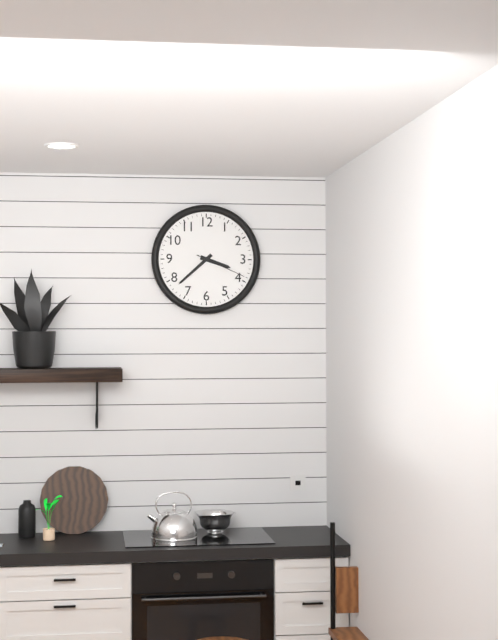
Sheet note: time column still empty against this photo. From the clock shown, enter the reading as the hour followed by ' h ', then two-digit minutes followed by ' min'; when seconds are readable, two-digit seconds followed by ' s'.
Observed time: 3 h 38 min 19 s
